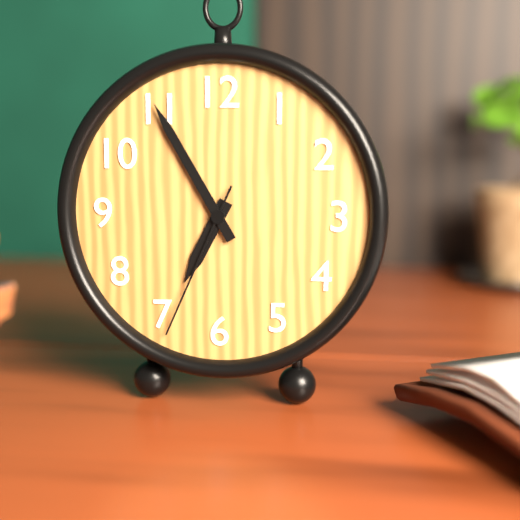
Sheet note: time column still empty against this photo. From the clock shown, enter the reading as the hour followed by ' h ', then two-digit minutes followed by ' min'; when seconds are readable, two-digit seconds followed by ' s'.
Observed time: 6 h 55 min 34 s
